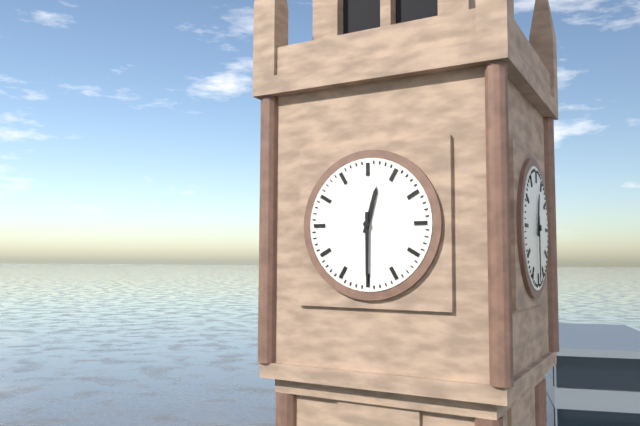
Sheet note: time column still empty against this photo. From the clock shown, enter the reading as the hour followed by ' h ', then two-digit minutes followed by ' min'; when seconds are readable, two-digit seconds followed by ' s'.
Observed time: 12 h 30 min
